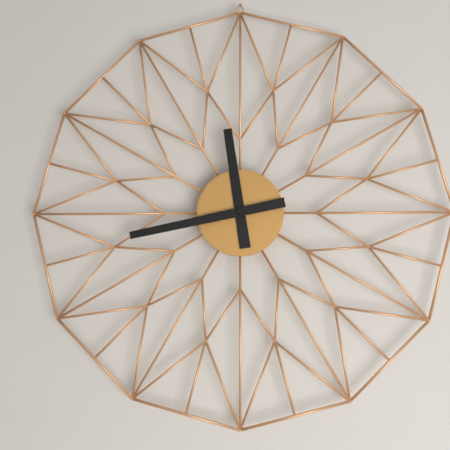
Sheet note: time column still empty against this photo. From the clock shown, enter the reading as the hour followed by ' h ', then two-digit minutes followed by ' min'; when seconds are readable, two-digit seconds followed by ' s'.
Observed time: 11 h 43 min
